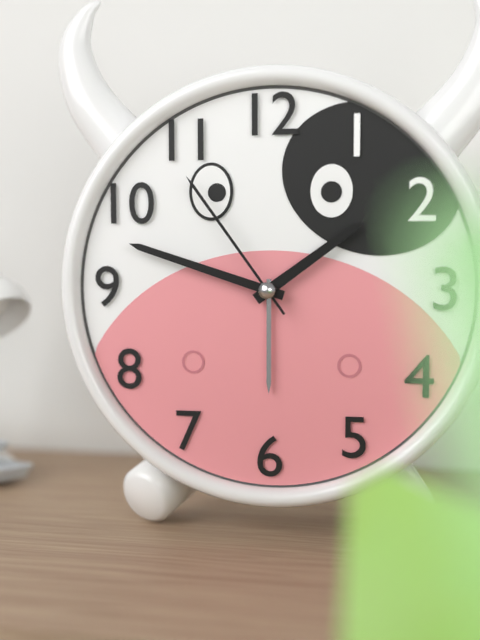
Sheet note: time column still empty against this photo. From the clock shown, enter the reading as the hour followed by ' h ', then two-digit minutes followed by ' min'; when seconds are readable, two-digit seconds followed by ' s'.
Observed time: 1 h 48 min 54 s
